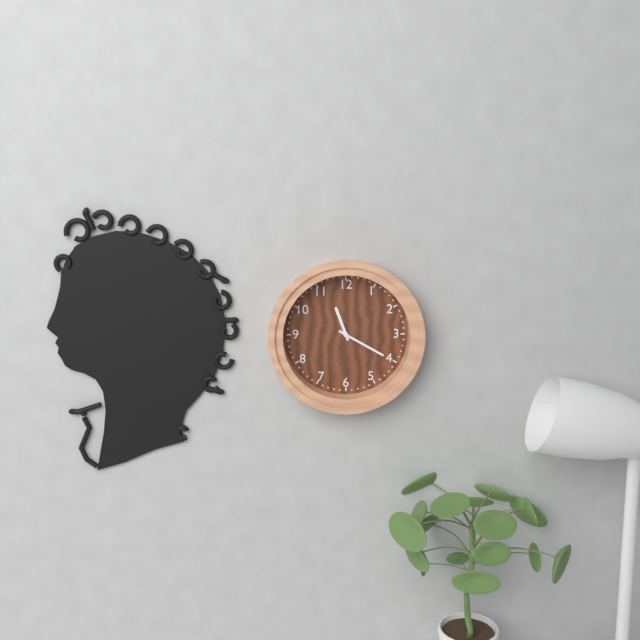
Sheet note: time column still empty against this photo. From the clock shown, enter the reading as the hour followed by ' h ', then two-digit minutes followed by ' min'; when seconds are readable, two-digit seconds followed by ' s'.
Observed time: 11 h 20 min
